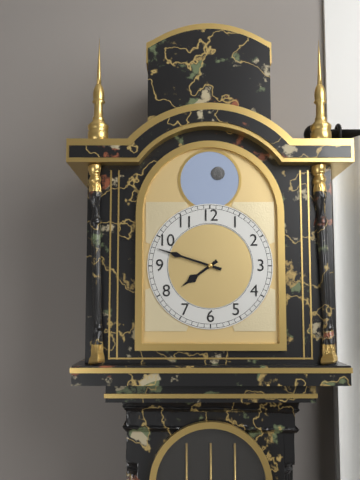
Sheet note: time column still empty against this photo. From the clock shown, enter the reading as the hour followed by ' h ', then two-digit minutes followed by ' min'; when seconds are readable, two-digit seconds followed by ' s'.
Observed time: 7 h 48 min
